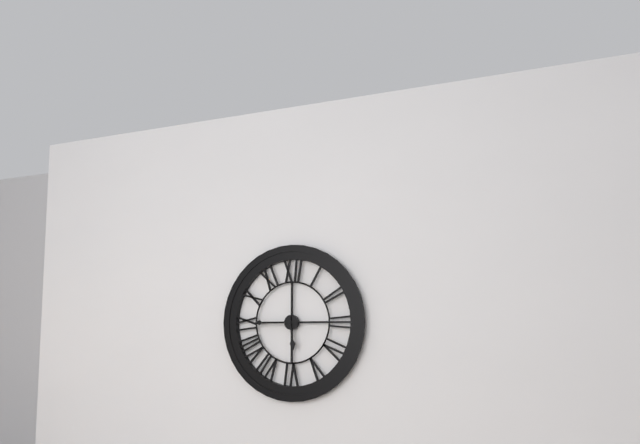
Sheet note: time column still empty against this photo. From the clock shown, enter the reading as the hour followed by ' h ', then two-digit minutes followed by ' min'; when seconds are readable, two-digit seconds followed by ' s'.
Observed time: 5 h 45 min
